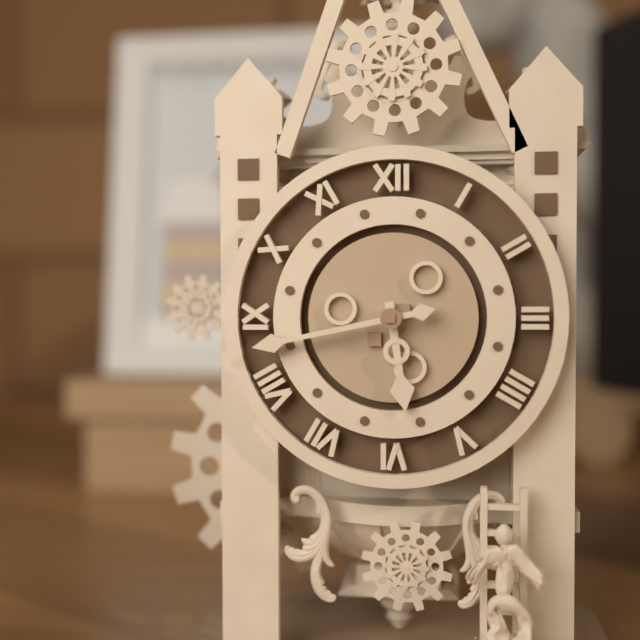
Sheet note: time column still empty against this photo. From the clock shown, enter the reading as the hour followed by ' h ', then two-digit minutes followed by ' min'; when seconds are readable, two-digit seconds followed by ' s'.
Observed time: 5 h 43 min
